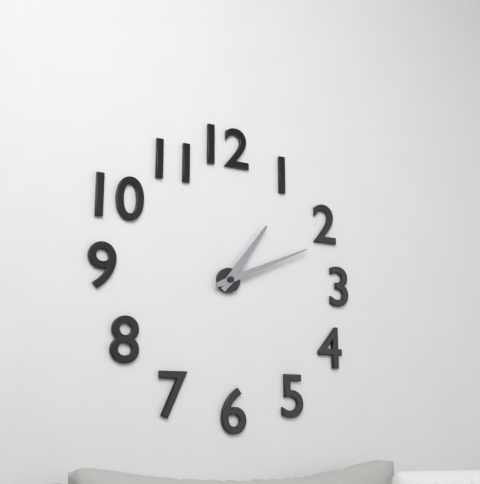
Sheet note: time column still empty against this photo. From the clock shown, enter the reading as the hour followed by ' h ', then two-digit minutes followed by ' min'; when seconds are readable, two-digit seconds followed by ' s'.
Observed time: 1 h 11 min
